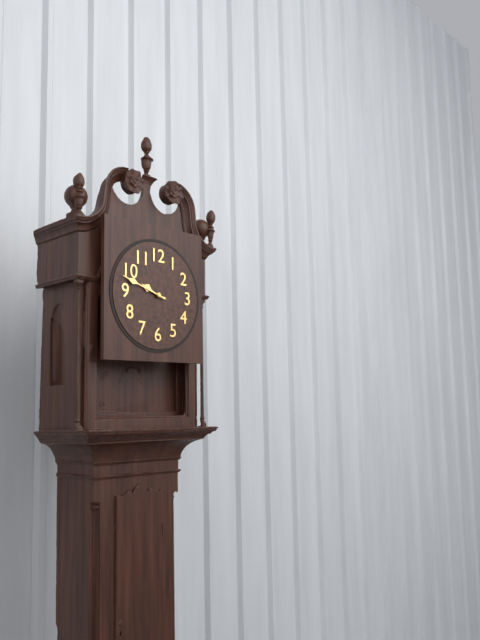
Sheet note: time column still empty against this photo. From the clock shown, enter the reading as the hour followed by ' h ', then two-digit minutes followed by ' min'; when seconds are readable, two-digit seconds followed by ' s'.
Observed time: 9 h 48 min
